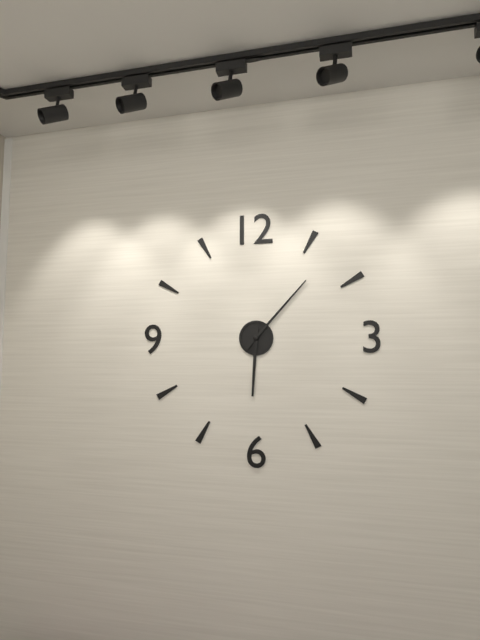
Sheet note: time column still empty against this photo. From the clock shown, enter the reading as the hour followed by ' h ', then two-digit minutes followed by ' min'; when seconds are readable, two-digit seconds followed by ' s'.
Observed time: 6 h 07 min
